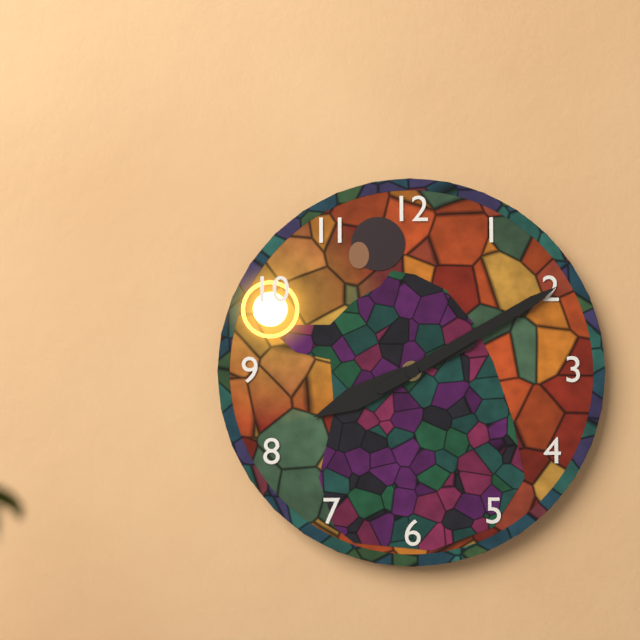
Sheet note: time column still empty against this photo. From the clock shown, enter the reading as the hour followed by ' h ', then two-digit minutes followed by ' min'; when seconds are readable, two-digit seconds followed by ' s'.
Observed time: 8 h 10 min
